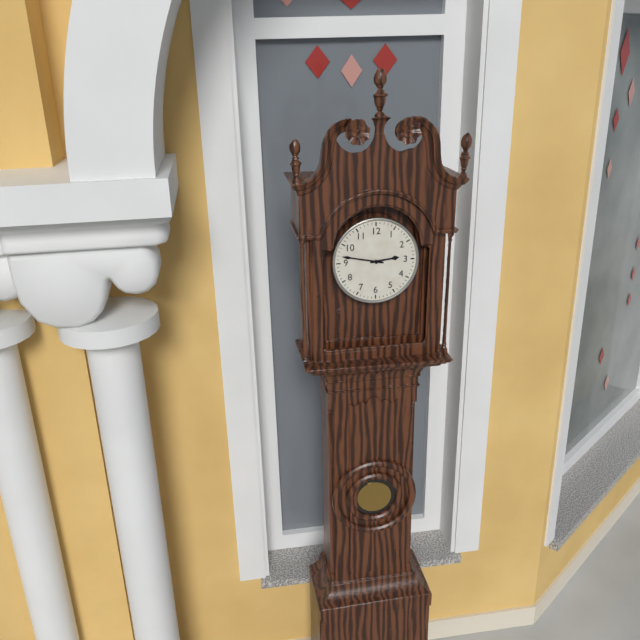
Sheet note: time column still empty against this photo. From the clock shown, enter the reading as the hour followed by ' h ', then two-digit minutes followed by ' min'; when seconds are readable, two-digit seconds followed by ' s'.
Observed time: 2 h 47 min
